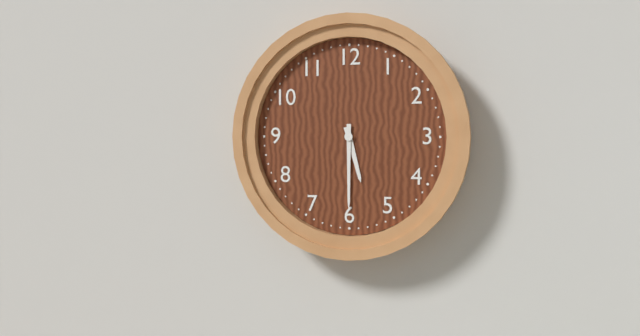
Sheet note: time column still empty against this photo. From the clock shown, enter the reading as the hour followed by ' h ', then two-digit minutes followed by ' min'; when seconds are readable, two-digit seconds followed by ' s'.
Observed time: 5 h 30 min
